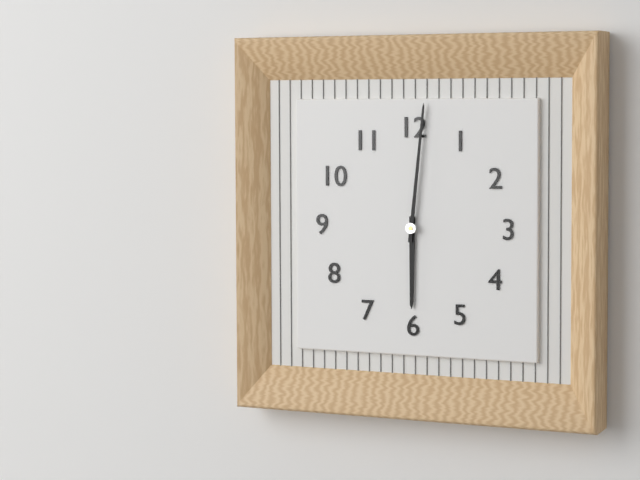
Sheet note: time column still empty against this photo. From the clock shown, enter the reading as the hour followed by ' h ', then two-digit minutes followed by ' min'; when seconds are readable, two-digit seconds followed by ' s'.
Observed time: 6 h 01 min
